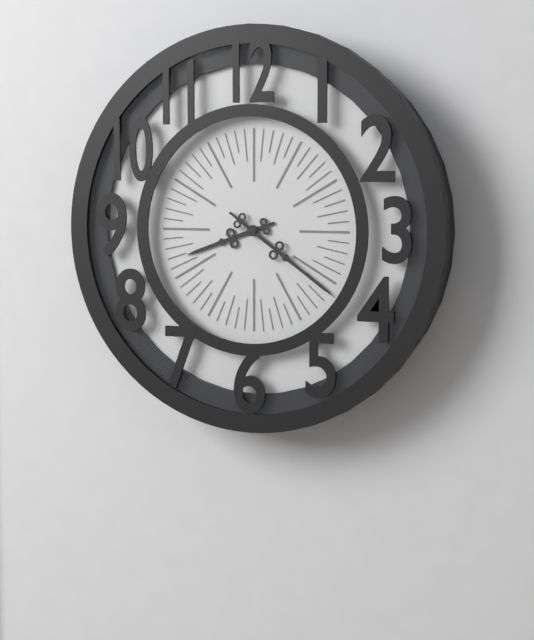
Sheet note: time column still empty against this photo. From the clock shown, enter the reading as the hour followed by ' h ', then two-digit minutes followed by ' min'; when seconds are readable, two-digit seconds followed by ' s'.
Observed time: 8 h 21 min
